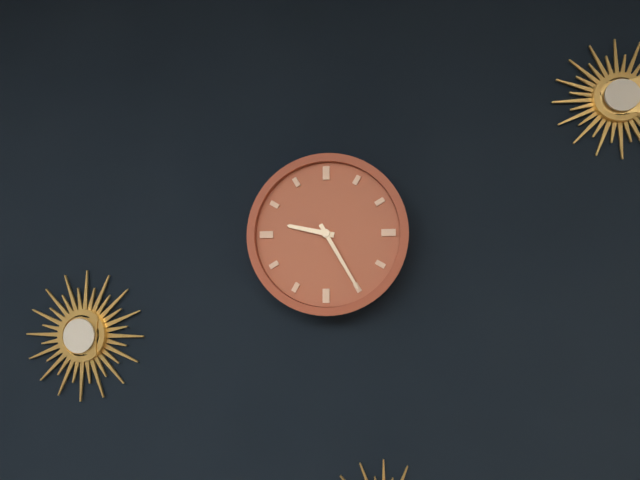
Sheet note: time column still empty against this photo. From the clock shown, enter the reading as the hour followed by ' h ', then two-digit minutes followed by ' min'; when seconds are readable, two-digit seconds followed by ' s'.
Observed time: 9 h 25 min
